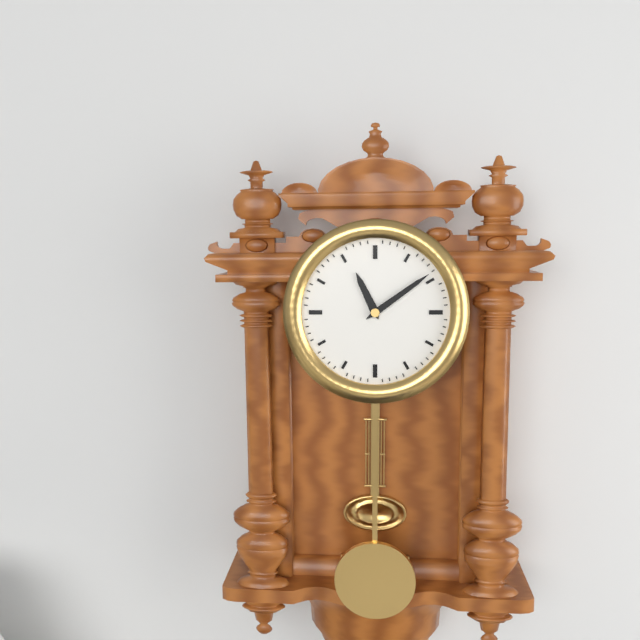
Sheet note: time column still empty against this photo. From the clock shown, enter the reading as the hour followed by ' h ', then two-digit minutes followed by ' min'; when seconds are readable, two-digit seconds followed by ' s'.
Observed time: 11 h 09 min
